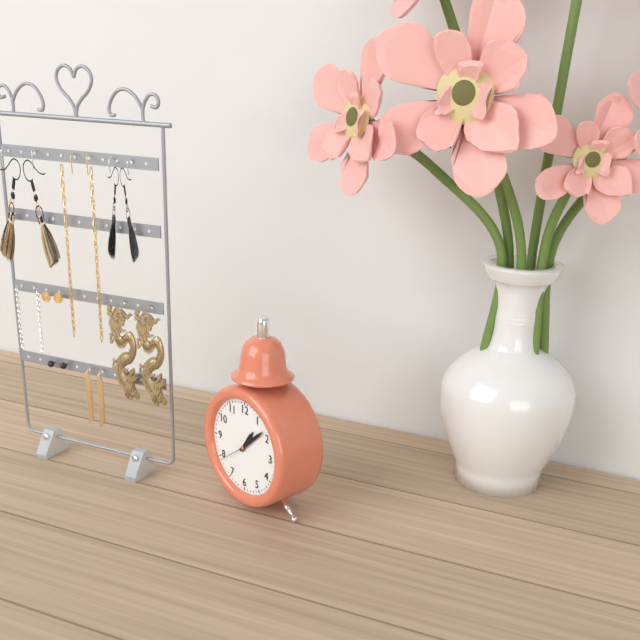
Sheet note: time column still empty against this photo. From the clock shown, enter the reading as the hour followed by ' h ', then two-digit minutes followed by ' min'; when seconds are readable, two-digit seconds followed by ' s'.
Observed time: 1 h 08 min
